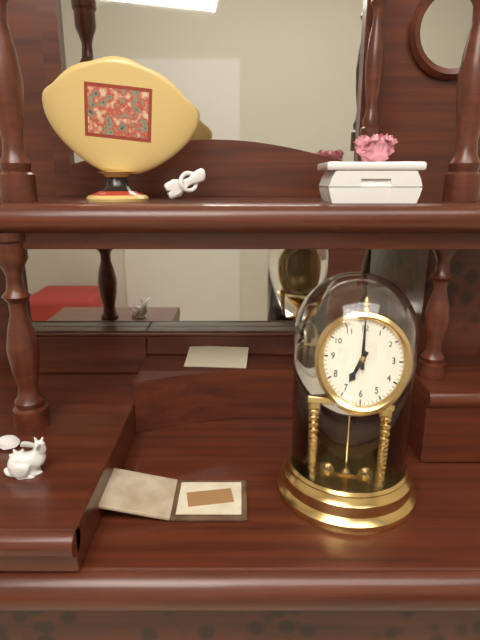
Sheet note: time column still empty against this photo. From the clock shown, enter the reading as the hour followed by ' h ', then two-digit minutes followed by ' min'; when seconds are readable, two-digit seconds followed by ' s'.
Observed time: 7 h 00 min
